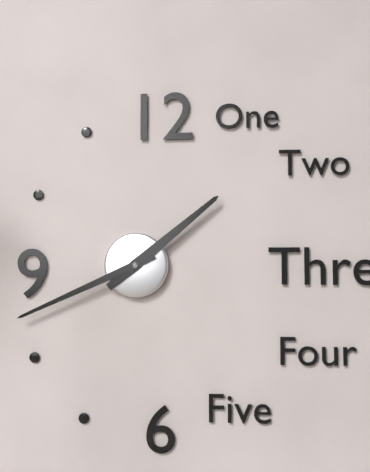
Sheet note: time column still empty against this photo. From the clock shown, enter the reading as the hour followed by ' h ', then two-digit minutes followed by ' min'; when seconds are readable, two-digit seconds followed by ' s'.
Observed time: 1 h 41 min
